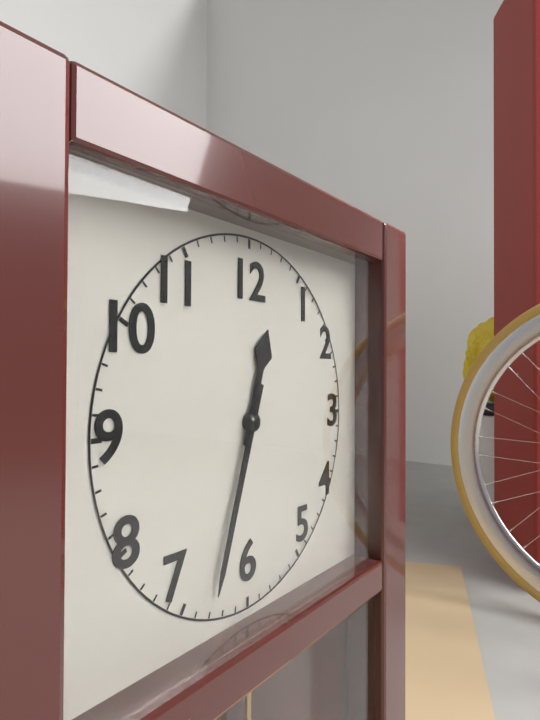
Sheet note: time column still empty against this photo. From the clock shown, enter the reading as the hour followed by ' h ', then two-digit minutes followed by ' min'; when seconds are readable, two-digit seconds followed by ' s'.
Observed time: 12 h 33 min
